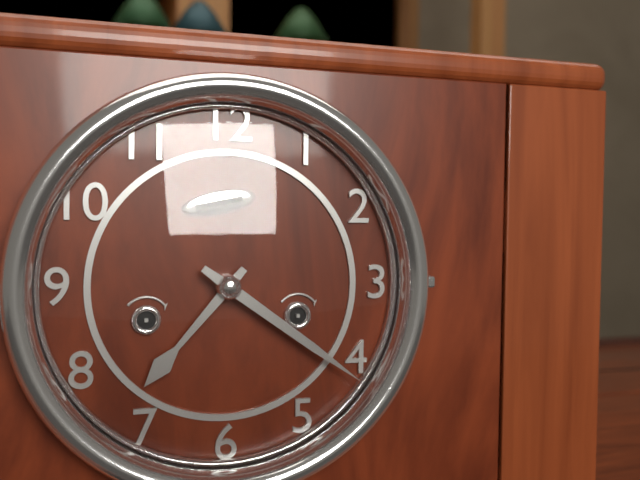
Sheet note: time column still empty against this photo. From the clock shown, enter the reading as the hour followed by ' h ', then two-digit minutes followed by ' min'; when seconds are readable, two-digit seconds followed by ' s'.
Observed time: 7 h 21 min
